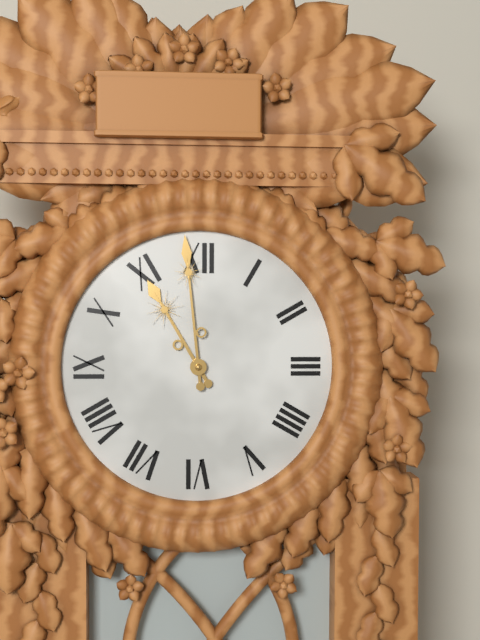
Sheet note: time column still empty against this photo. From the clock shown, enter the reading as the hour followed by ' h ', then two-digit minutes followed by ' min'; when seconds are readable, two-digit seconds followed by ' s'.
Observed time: 10 h 59 min
